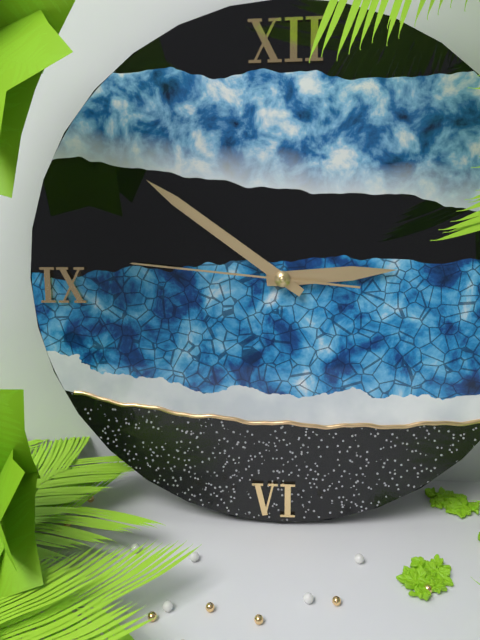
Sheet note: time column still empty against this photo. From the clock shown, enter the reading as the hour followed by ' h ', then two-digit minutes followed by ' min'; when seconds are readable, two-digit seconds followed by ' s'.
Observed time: 2 h 51 min 46 s
